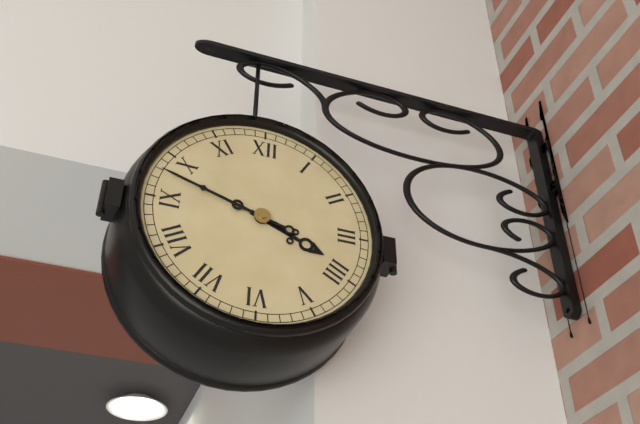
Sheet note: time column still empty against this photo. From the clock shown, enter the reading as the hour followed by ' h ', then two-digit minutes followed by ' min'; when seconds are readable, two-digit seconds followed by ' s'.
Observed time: 3 h 48 min
